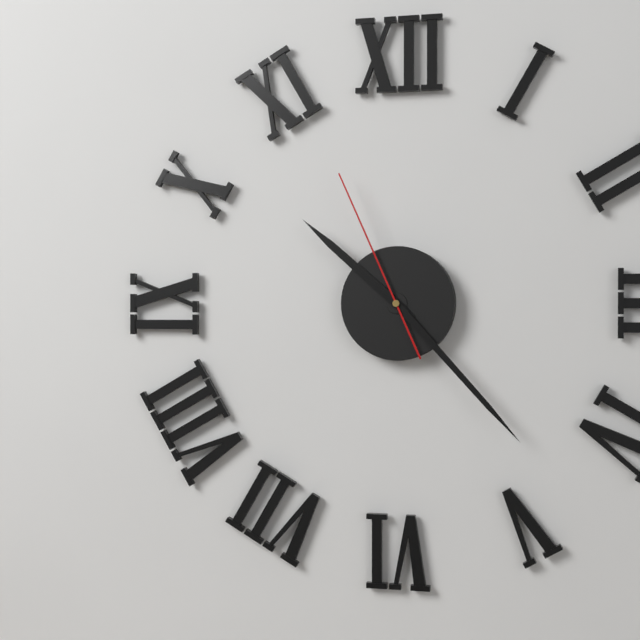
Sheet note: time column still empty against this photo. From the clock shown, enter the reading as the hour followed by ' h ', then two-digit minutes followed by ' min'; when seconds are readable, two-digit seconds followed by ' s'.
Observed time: 10 h 23 min 56 s
